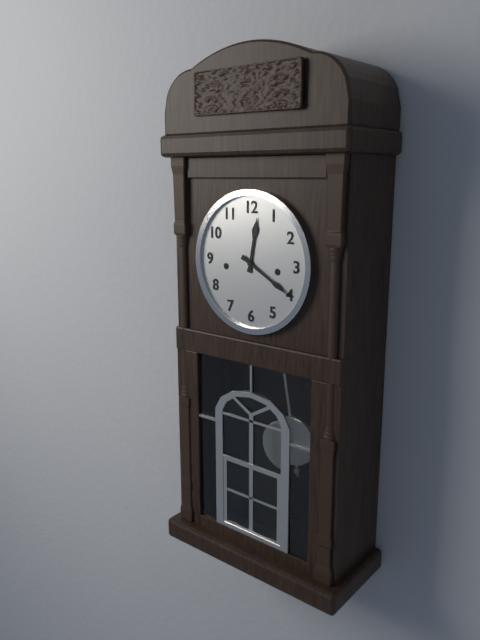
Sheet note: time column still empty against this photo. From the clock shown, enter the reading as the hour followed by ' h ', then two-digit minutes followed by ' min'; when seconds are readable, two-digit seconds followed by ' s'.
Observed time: 12 h 20 min
